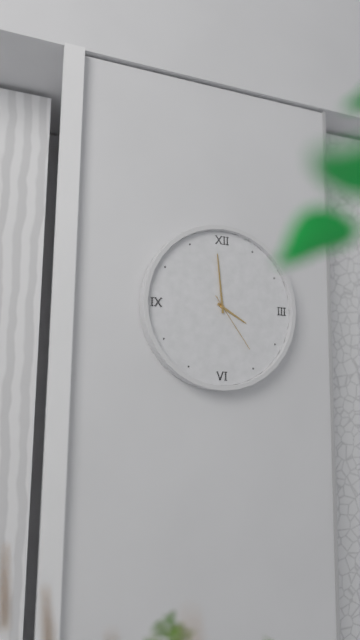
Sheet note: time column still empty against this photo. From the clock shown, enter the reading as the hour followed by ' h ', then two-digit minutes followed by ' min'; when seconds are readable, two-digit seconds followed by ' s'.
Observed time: 3 h 59 min 24 s
